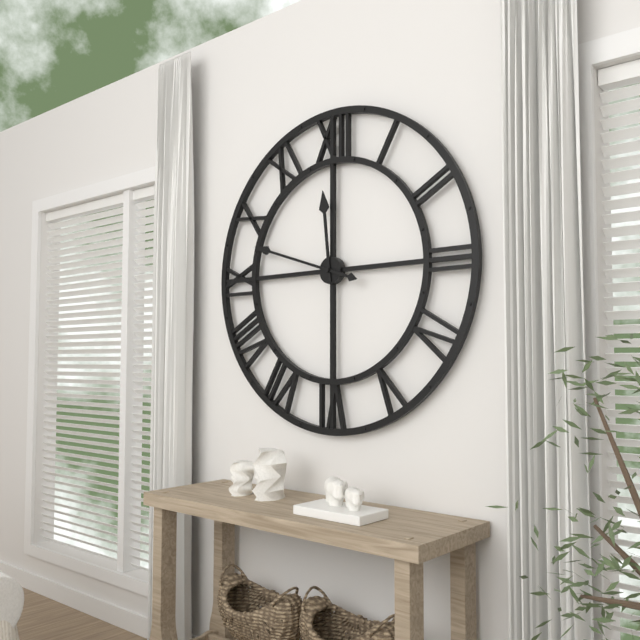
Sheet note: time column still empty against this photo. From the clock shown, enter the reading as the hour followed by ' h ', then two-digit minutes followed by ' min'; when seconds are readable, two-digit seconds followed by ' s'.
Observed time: 11 h 48 min
